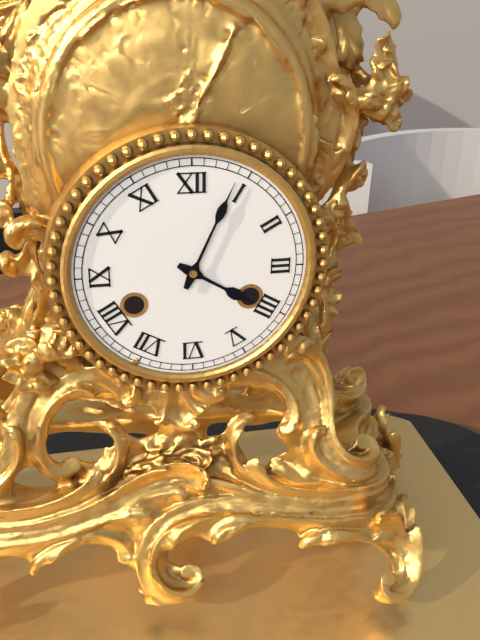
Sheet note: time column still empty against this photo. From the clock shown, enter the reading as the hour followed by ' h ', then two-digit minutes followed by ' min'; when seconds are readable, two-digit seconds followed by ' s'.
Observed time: 4 h 04 min
